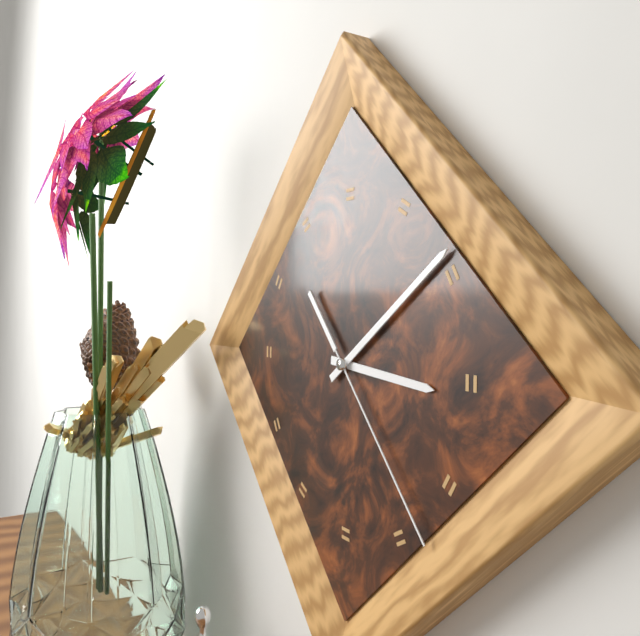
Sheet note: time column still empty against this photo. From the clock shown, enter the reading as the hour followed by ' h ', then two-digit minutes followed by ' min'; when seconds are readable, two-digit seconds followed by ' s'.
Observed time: 3 h 09 min 23 s
